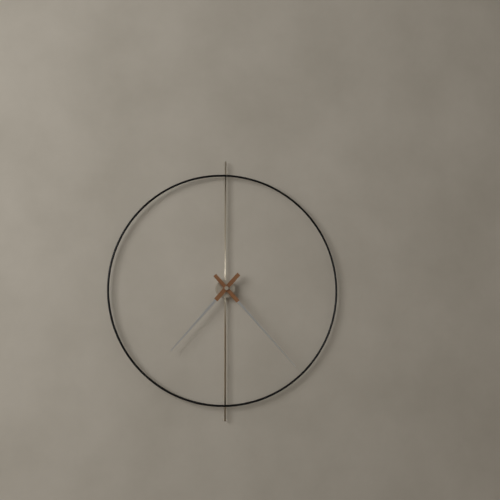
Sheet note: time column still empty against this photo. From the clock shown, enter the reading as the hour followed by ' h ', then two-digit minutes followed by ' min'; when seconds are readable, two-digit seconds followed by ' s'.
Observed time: 7 h 23 min
